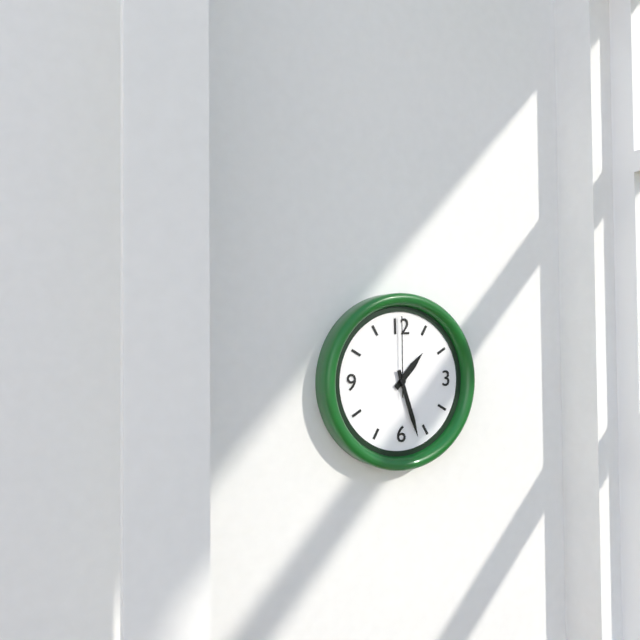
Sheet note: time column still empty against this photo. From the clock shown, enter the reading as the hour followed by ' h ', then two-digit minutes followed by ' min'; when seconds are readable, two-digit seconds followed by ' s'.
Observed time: 1 h 27 min 00 s
